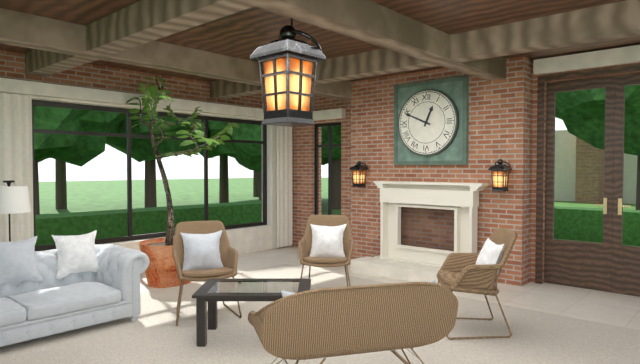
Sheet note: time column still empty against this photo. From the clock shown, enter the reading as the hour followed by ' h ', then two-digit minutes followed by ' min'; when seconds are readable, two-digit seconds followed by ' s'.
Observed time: 12 h 49 min
